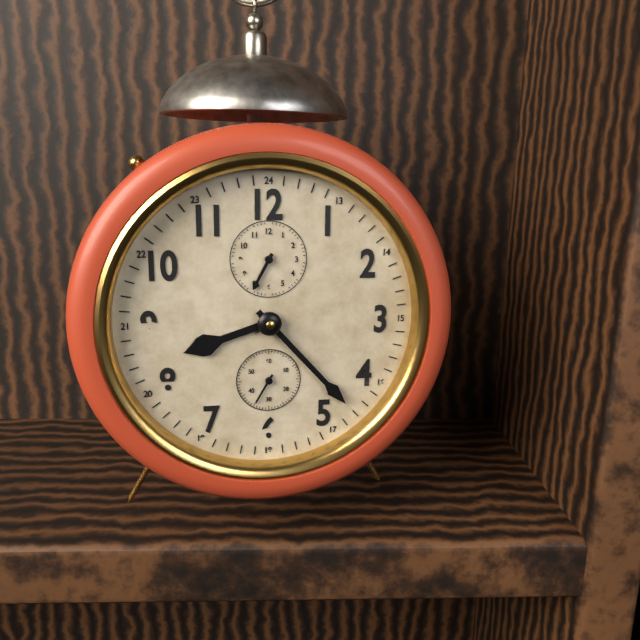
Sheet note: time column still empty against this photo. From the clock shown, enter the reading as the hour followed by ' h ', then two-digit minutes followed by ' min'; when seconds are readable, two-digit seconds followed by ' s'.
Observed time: 8 h 23 min
